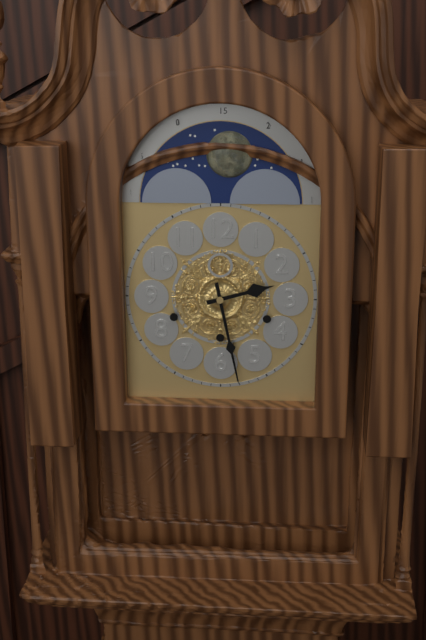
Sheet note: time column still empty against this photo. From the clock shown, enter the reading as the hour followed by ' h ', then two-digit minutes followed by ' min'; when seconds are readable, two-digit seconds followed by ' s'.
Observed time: 2 h 28 min
